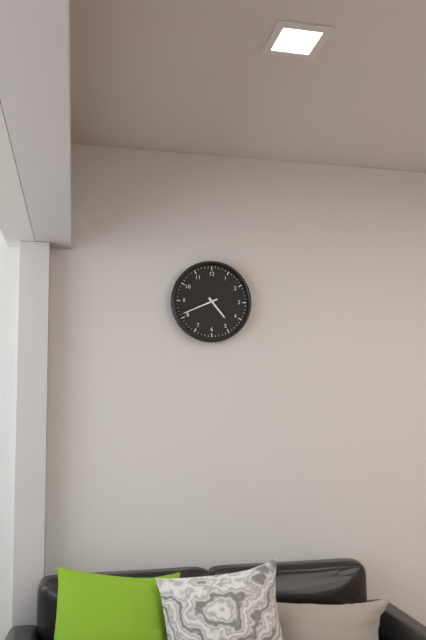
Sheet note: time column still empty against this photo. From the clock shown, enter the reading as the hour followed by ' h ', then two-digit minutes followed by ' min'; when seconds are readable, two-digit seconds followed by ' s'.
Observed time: 4 h 41 min
